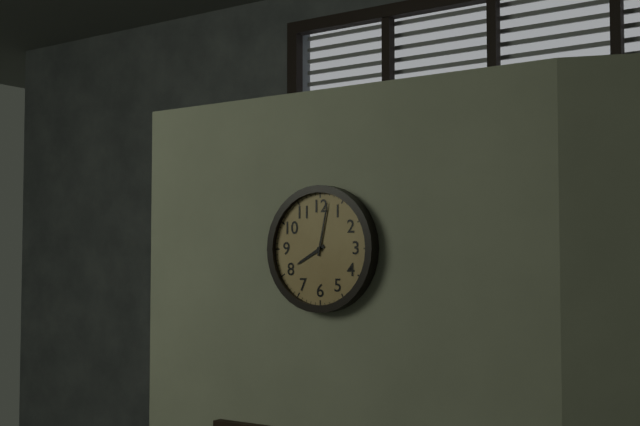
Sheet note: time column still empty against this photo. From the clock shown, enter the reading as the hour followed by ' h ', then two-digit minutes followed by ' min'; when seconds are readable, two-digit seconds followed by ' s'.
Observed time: 8 h 02 min
